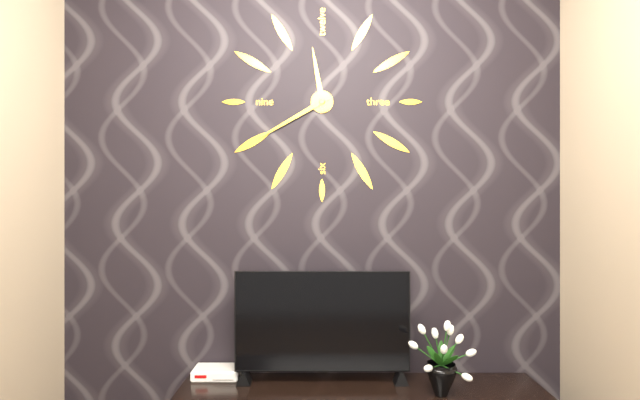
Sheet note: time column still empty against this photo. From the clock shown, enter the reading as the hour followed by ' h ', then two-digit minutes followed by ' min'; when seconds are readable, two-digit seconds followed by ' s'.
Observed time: 11 h 40 min
